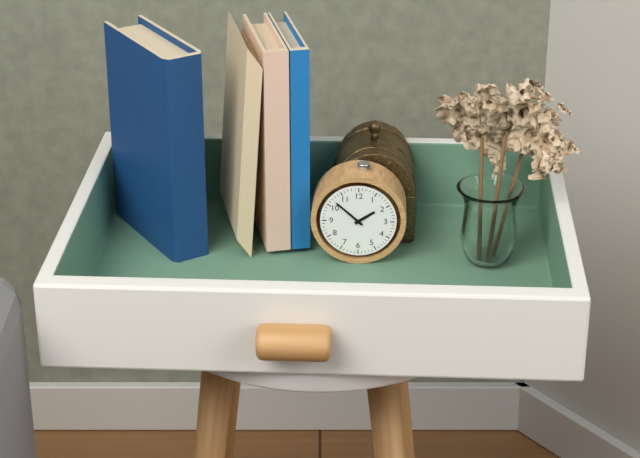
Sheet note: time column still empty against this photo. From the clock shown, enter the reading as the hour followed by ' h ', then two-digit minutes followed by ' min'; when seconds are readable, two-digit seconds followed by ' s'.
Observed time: 1 h 52 min
